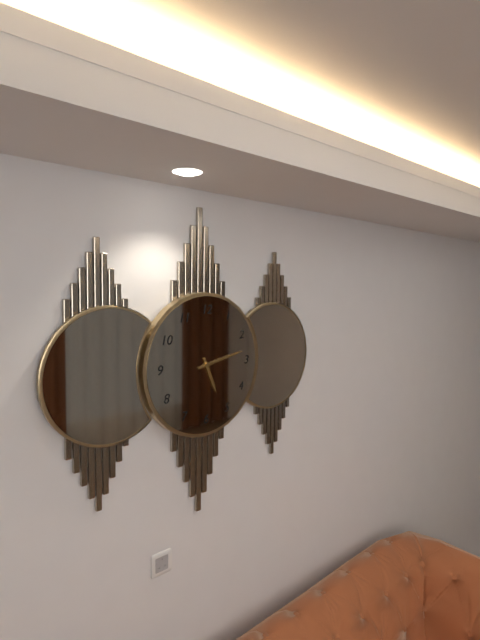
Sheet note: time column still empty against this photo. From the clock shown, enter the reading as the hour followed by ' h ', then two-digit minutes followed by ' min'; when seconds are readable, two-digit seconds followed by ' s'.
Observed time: 5 h 13 min
